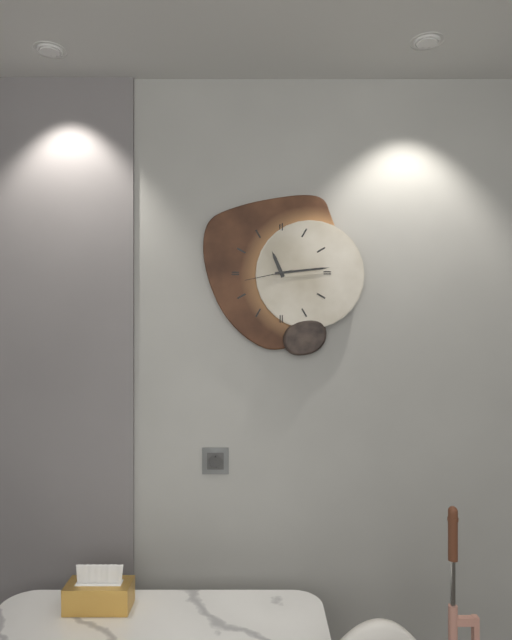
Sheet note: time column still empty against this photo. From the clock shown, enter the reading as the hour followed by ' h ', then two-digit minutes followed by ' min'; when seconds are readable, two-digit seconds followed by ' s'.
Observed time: 11 h 14 min
